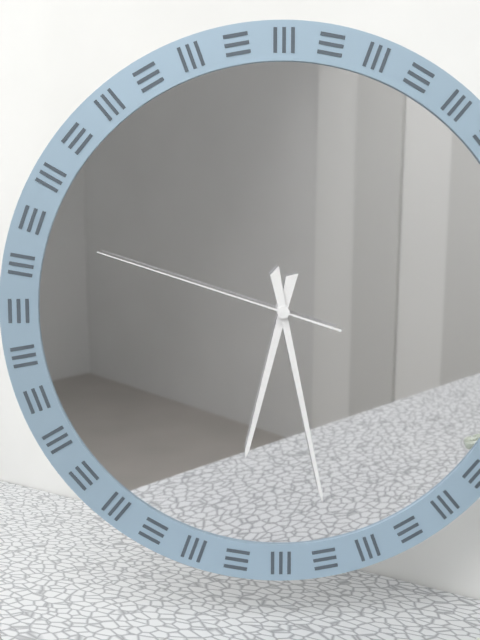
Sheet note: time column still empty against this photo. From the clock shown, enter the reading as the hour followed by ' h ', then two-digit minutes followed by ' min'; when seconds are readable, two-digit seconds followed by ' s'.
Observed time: 6 h 28 min 48 s
